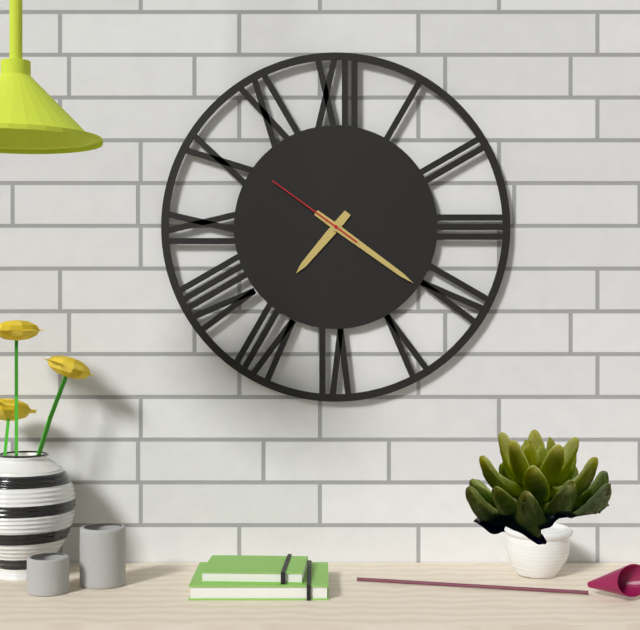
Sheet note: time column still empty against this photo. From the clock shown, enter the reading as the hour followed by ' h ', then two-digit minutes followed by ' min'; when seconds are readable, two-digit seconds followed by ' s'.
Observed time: 7 h 21 min 51 s
